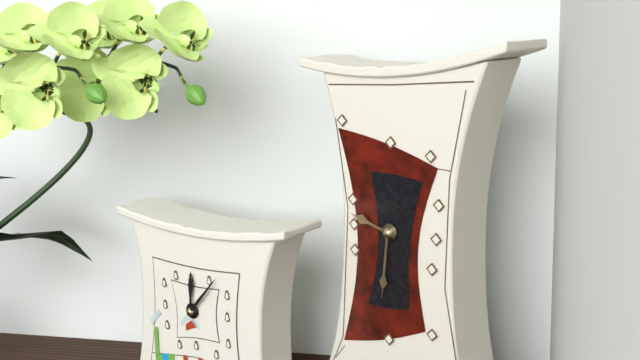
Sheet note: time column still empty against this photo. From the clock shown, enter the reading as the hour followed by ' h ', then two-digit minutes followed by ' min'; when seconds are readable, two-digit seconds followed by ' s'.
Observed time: 9 h 31 min
